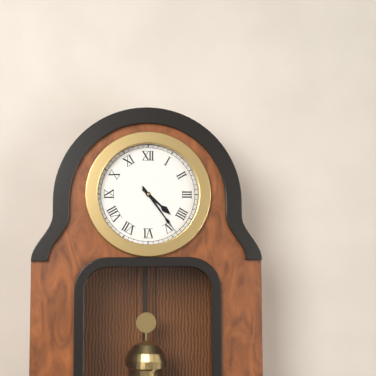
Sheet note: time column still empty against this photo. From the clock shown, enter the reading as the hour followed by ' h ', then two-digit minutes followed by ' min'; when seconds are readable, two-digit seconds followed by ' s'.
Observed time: 4 h 24 min
